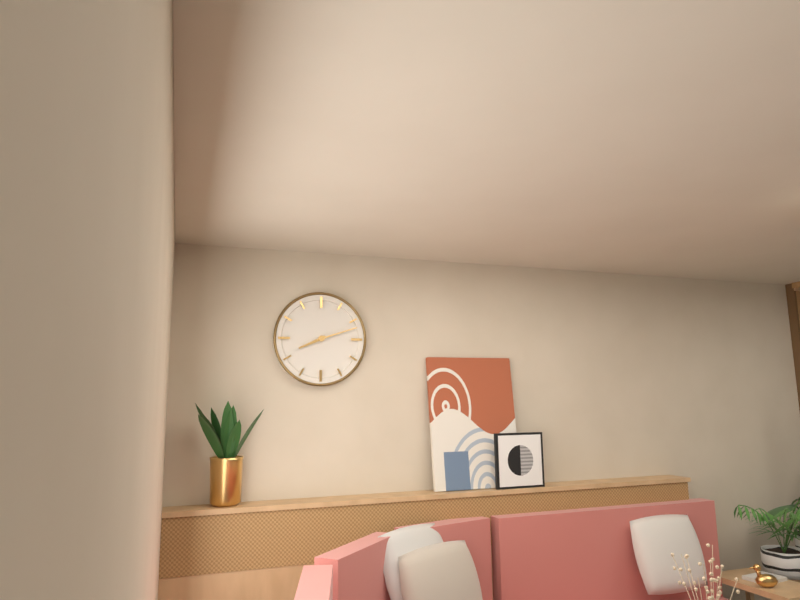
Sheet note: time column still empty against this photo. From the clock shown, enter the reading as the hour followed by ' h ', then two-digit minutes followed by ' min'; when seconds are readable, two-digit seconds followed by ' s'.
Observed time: 8 h 12 min
